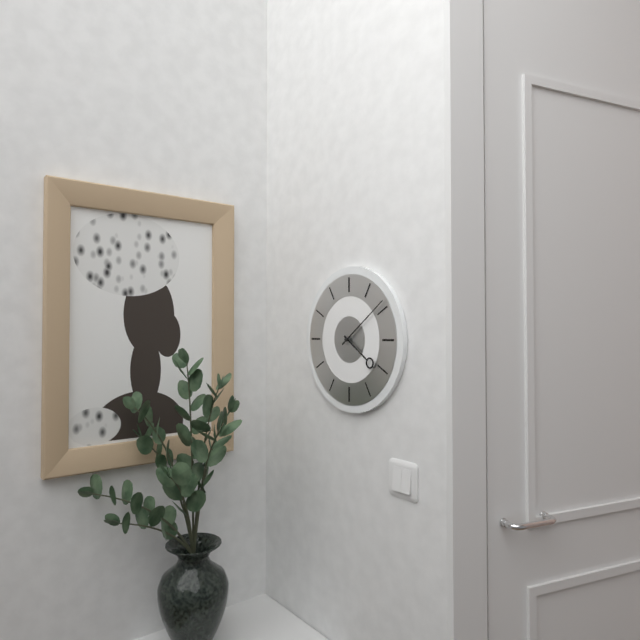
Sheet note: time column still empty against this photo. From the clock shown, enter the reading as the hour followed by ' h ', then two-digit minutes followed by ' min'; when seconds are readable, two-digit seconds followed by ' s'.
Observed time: 4 h 09 min
